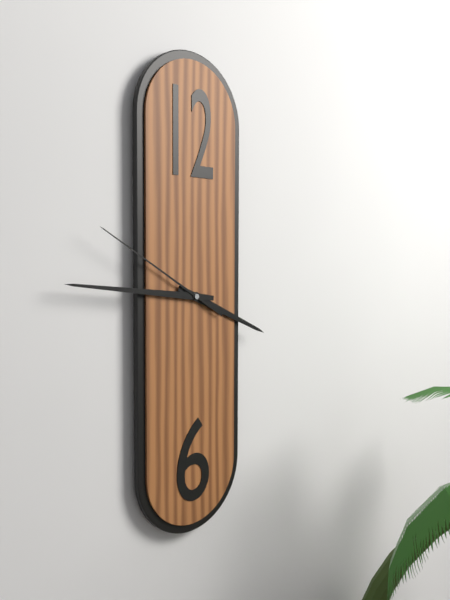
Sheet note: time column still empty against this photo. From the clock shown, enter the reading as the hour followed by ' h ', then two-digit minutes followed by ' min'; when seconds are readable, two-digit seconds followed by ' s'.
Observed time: 3 h 46 min 50 s
